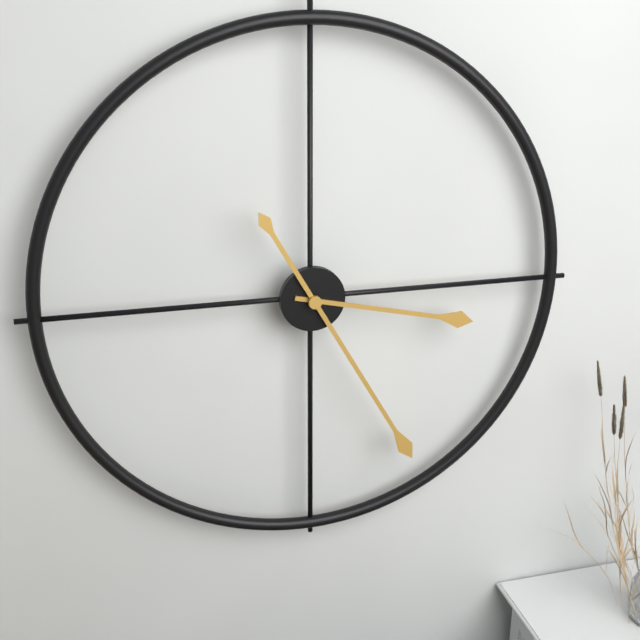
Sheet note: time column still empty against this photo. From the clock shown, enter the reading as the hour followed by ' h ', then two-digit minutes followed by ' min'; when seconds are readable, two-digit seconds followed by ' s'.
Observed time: 3 h 25 min
